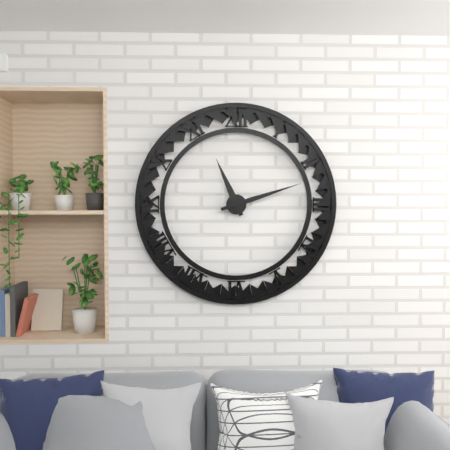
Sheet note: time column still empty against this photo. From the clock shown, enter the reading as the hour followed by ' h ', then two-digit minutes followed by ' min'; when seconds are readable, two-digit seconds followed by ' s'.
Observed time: 11 h 12 min
